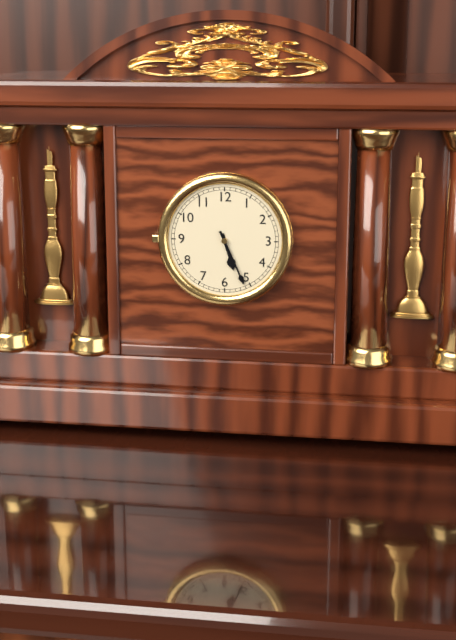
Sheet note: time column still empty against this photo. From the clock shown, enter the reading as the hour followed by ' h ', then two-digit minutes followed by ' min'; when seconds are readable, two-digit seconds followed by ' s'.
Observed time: 5 h 26 min
